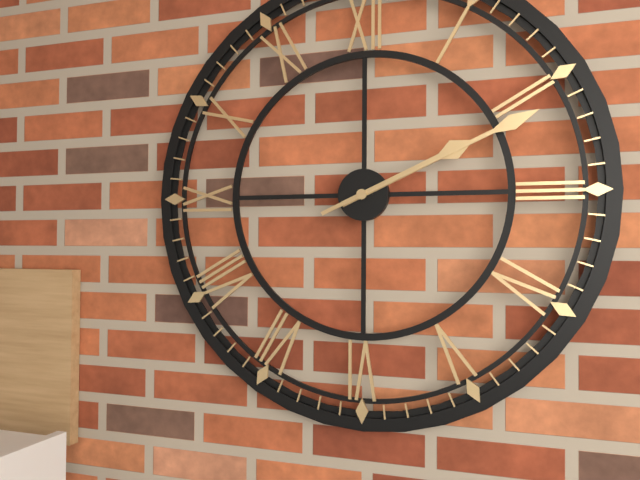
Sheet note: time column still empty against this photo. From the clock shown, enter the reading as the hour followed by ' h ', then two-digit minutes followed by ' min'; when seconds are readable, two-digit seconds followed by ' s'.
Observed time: 2 h 11 min
